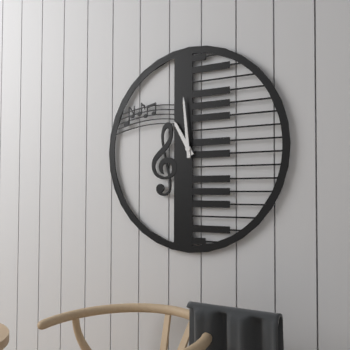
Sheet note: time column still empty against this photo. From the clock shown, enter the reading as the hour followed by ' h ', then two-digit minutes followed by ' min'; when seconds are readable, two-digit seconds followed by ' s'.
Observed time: 10 h 59 min
